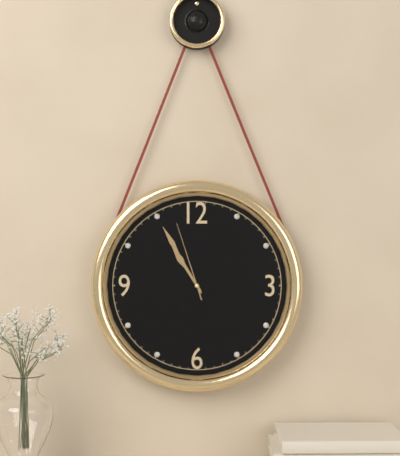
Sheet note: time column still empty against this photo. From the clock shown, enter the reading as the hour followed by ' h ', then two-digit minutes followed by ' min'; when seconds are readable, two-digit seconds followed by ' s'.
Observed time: 10 h 55 min 57 s
